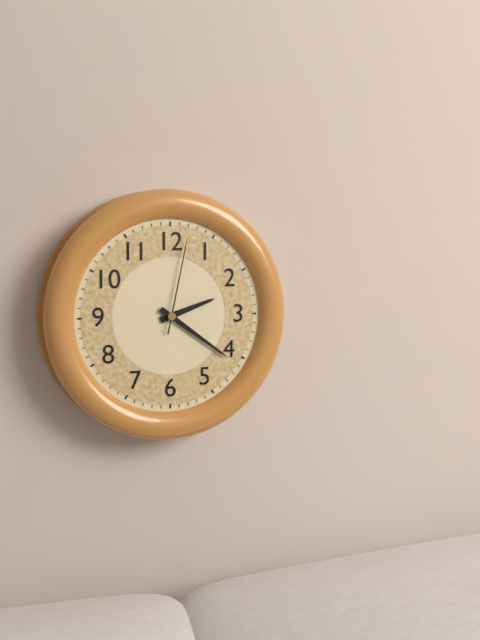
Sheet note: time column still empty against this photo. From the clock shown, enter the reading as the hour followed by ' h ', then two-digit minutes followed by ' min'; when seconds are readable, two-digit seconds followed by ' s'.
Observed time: 2 h 21 min 02 s
